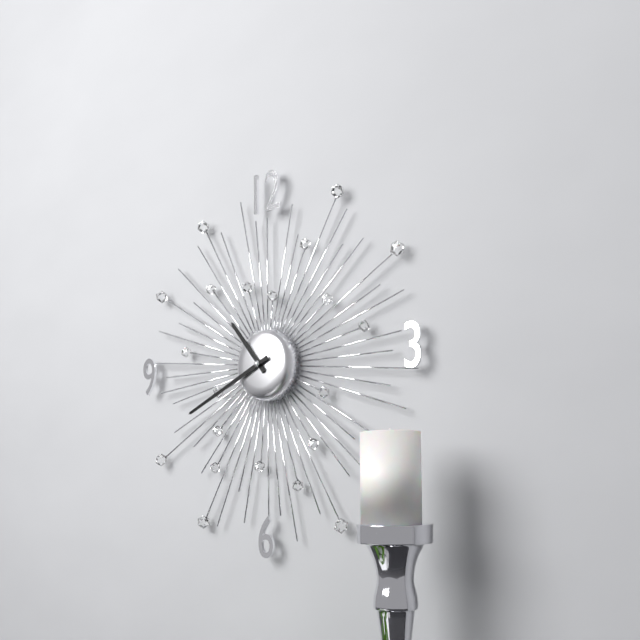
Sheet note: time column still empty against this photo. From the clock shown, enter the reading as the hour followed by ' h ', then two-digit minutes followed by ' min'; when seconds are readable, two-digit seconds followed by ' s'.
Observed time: 10 h 41 min
